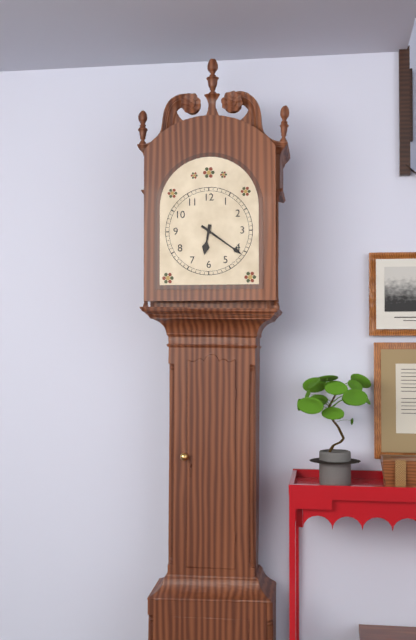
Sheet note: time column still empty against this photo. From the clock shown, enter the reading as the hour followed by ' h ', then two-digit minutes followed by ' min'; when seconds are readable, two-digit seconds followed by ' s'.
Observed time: 6 h 21 min
